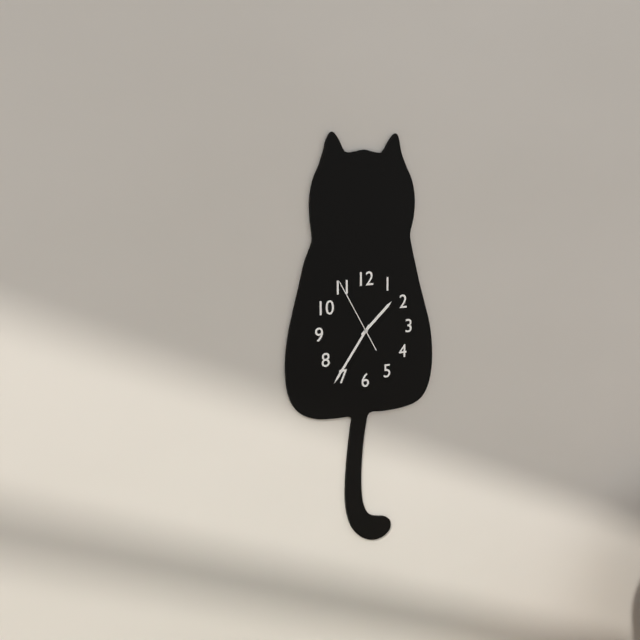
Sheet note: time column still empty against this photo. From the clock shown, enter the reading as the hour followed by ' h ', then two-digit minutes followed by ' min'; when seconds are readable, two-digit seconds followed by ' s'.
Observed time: 1 h 36 min 55 s
